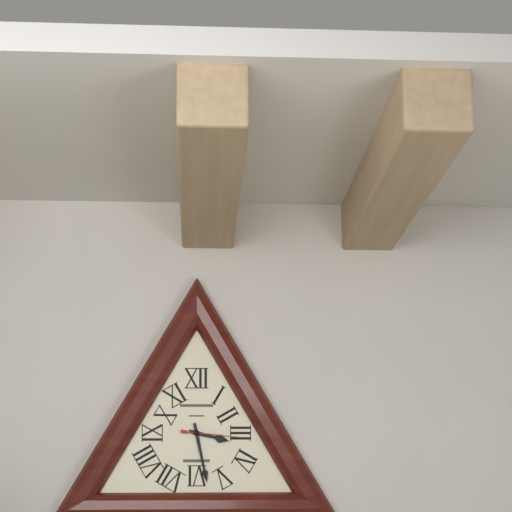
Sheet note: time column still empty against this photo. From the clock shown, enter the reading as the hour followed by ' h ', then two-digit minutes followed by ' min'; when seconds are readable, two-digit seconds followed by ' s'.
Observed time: 3 h 28 min 16 s
